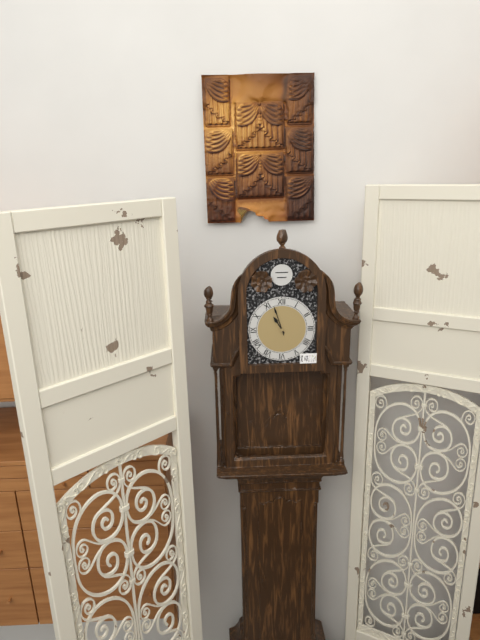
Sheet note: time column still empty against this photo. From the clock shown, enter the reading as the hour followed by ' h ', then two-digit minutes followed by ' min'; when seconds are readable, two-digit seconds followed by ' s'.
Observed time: 10 h 57 min
